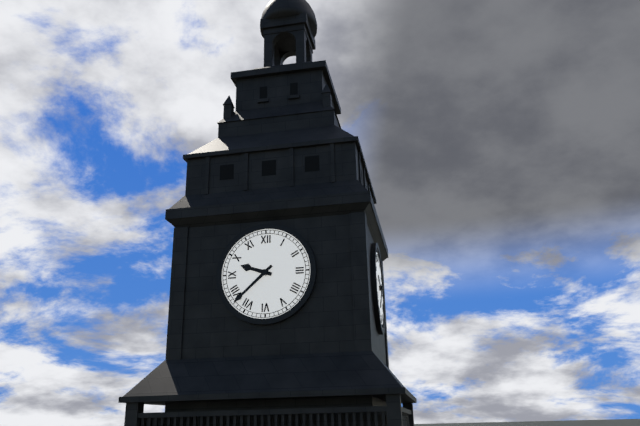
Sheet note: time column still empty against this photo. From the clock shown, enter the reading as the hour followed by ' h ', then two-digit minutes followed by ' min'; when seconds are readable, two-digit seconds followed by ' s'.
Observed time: 9 h 38 min
